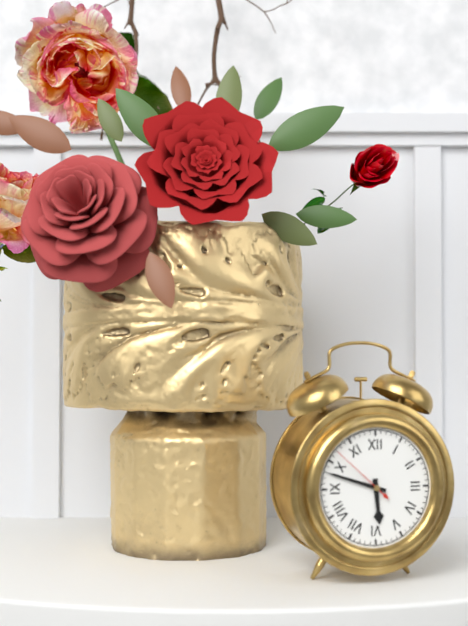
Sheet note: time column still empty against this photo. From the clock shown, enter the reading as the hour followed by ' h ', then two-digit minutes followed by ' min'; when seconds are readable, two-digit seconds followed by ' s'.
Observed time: 5 h 48 min 52 s
